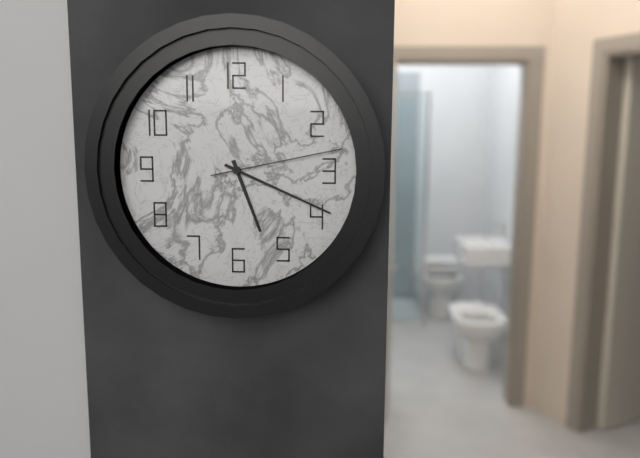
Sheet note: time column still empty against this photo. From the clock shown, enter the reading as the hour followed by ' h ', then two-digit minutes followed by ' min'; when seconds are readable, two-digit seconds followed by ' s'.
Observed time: 5 h 19 min 13 s
